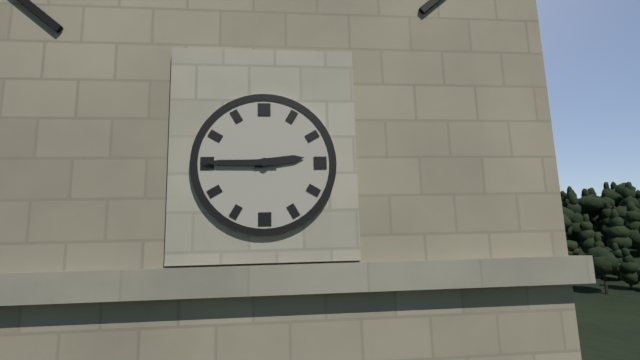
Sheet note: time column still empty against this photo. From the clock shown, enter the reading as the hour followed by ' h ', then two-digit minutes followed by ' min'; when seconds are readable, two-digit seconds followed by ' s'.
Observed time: 2 h 45 min
